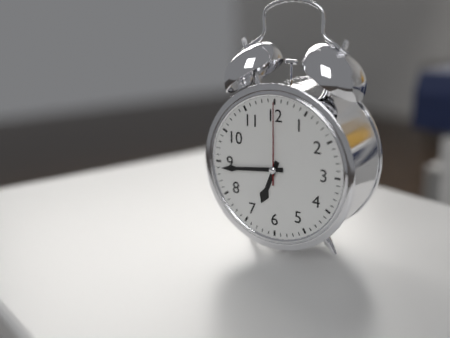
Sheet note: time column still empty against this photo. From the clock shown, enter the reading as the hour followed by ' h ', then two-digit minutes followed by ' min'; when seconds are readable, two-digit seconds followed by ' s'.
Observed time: 6 h 44 min 00 s
